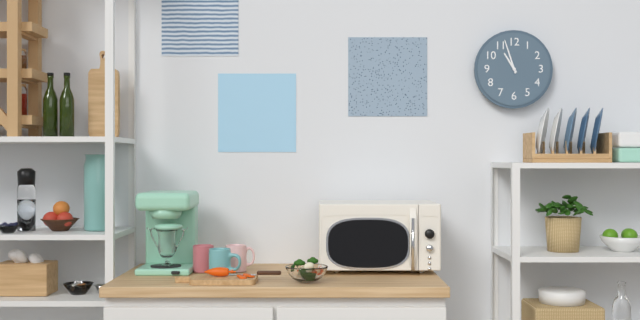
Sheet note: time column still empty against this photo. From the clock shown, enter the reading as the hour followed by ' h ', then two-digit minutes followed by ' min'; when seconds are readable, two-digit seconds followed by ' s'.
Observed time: 10 h 57 min
